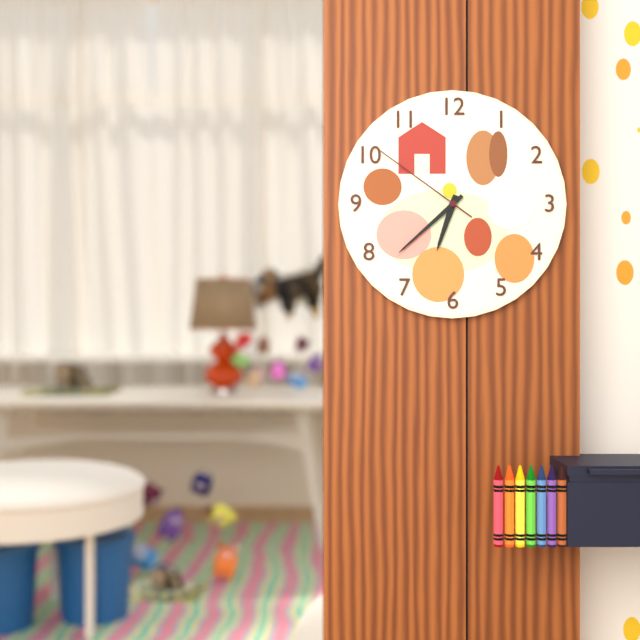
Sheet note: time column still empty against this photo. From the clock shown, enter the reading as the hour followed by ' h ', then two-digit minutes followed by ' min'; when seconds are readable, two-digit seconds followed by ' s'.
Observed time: 6 h 38 min 51 s
